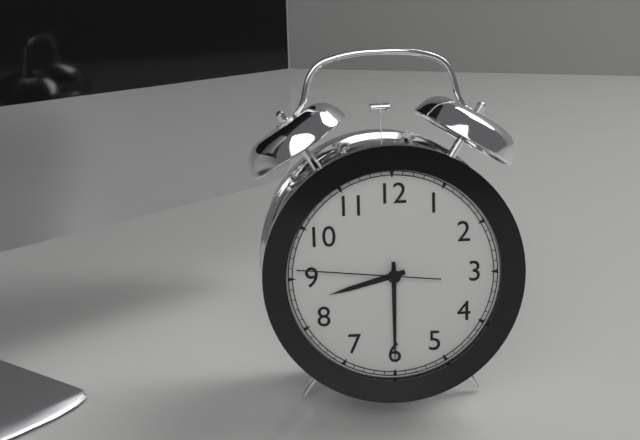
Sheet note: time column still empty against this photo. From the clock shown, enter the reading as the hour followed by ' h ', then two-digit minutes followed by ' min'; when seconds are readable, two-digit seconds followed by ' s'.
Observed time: 8 h 30 min 46 s
